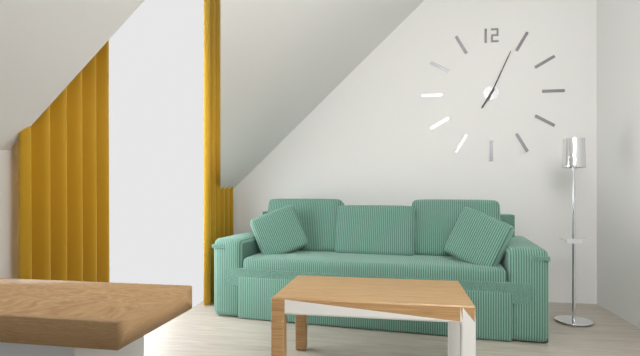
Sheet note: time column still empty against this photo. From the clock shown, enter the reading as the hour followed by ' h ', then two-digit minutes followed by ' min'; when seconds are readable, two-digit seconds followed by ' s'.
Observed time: 7 h 04 min
